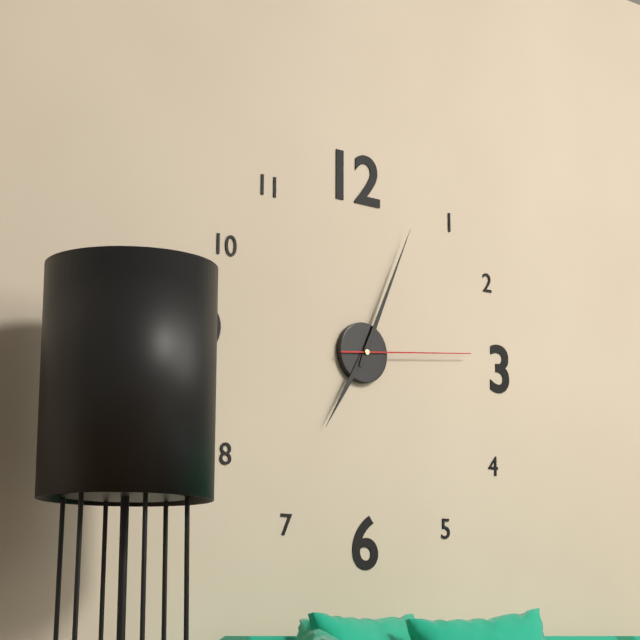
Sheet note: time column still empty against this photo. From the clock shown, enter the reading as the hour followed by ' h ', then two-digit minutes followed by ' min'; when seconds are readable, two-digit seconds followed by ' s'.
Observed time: 7 h 04 min 14 s
